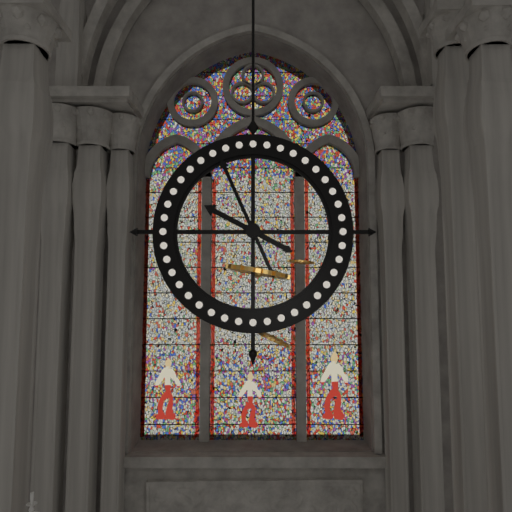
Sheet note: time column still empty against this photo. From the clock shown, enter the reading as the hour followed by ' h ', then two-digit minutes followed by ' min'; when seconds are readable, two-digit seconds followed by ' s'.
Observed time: 9 h 56 min
